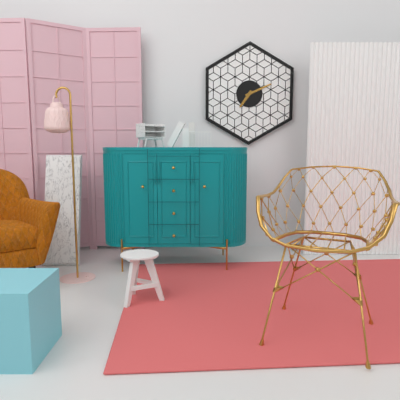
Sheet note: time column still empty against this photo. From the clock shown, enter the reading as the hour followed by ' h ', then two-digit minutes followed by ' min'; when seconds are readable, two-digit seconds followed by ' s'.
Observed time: 7 h 11 min
